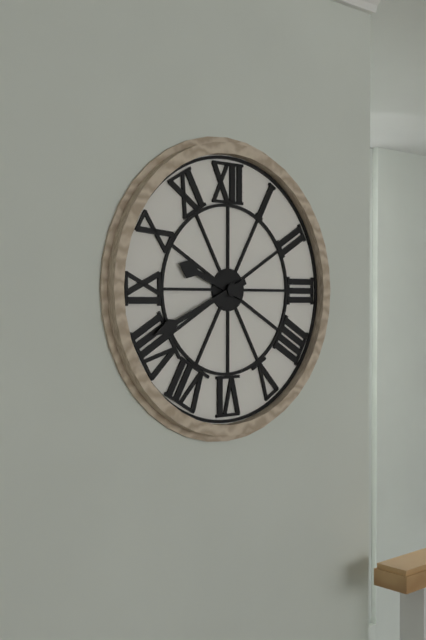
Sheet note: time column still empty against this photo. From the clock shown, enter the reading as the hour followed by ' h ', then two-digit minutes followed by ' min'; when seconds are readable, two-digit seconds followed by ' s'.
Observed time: 9 h 41 min
